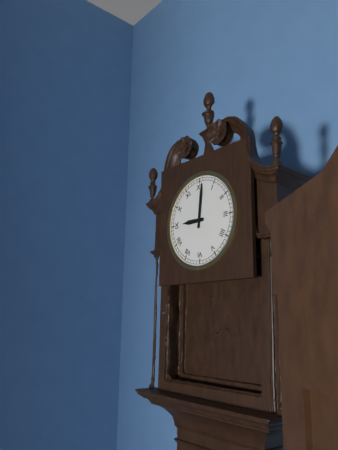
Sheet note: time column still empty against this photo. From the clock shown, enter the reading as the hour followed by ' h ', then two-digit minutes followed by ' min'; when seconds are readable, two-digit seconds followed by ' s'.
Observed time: 9 h 01 min
